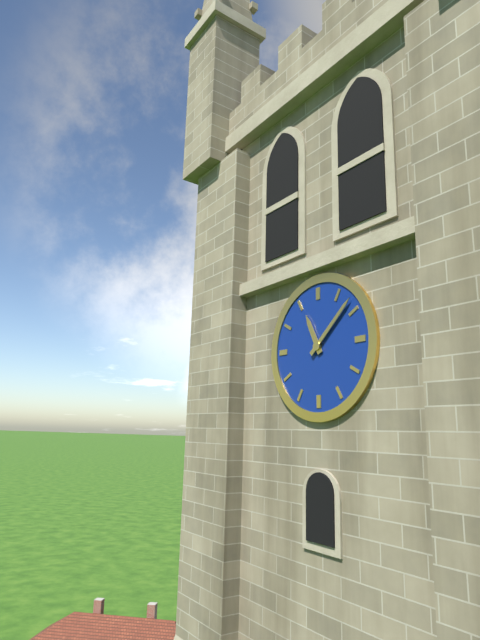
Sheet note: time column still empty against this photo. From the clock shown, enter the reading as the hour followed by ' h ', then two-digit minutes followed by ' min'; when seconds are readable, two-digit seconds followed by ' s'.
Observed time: 11 h 08 min
